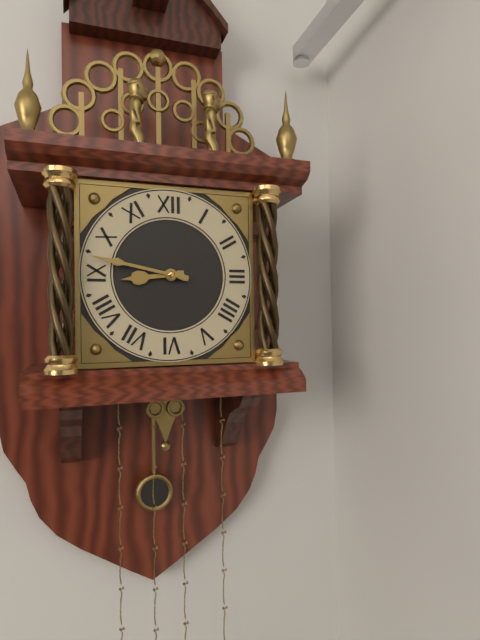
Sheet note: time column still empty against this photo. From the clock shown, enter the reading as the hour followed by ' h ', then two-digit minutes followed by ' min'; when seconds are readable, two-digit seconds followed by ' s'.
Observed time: 8 h 47 min
